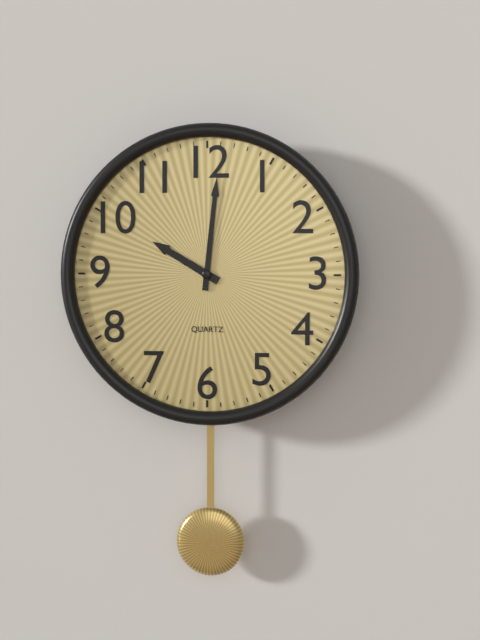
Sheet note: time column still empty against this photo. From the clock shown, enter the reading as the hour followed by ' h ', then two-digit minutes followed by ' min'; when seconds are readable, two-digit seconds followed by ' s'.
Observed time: 10 h 01 min
